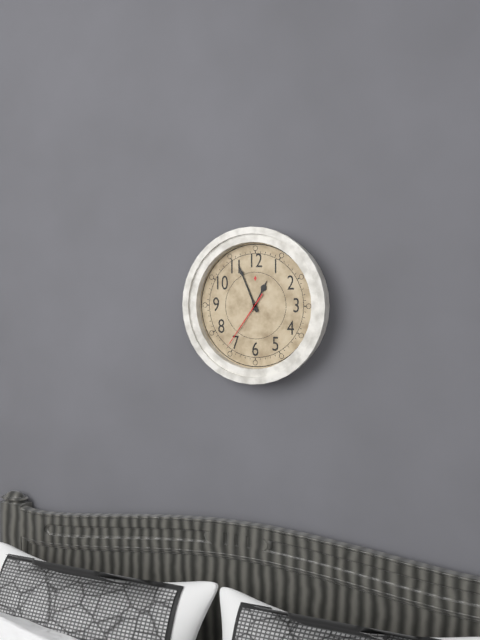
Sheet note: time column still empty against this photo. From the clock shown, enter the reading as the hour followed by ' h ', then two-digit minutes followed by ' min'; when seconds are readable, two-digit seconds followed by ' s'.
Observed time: 12 h 56 min 36 s
